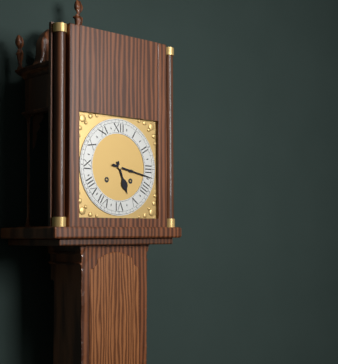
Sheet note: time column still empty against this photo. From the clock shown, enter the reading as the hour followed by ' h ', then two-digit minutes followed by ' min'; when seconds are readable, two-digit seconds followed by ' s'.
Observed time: 5 h 17 min
